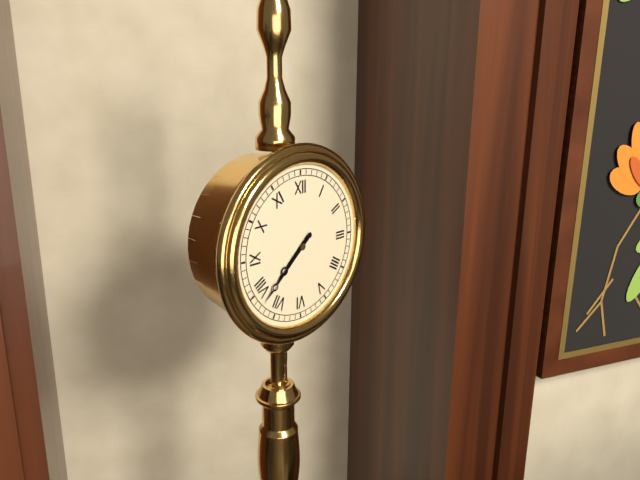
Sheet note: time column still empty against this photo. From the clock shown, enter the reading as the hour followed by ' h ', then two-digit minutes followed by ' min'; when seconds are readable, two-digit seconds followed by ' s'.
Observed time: 7 h 38 min
